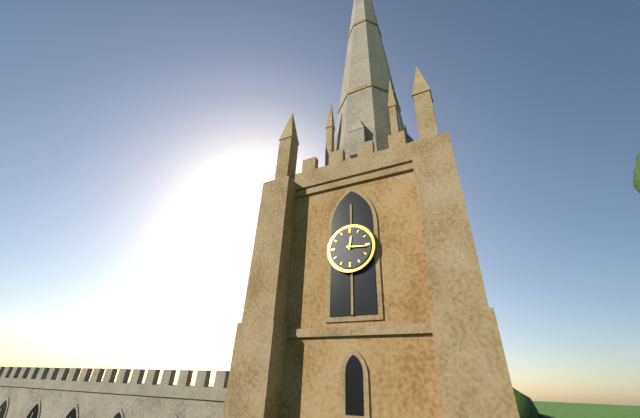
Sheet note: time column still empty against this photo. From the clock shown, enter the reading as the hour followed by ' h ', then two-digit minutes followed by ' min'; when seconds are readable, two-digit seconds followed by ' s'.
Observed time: 12 h 16 min
